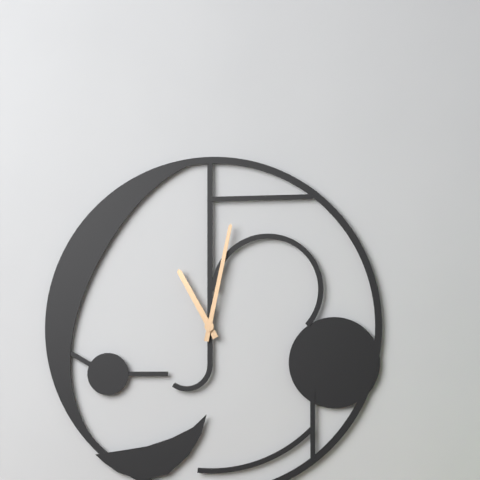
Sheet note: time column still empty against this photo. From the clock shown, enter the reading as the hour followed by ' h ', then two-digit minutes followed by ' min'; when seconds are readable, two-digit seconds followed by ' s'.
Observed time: 11 h 02 min
